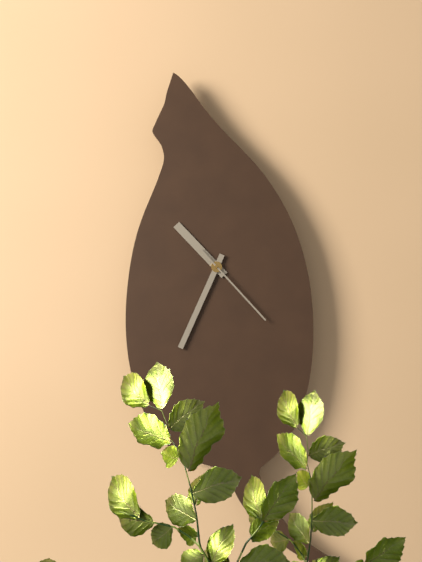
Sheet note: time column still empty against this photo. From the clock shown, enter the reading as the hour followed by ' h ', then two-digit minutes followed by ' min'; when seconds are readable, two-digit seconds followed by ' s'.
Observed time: 10 h 34 min 23 s
